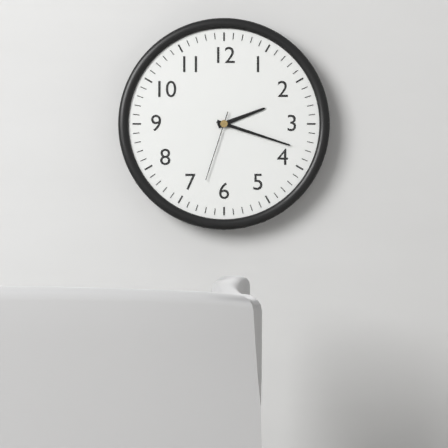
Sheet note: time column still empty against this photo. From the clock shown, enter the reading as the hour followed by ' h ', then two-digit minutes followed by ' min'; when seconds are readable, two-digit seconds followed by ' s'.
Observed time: 2 h 18 min 33 s
